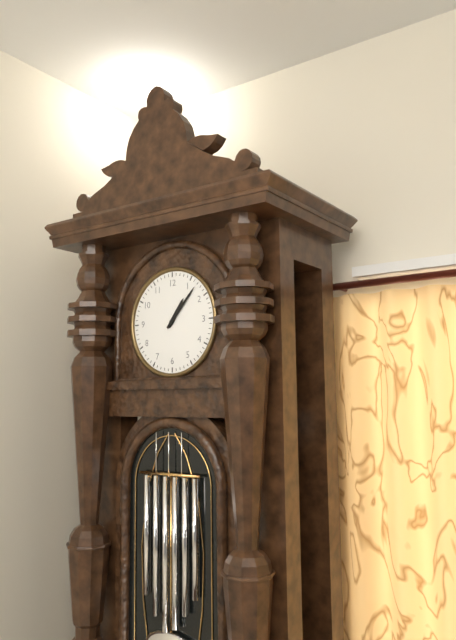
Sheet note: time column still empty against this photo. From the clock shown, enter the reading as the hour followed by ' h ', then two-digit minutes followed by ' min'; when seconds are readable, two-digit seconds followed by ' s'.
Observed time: 1 h 07 min
